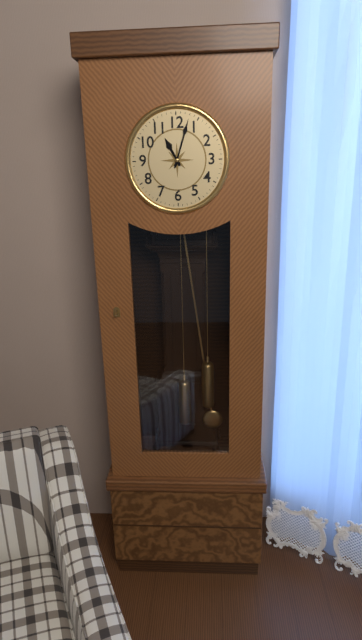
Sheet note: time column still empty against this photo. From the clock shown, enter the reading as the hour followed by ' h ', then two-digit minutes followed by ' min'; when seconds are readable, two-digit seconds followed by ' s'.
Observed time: 11 h 03 min
